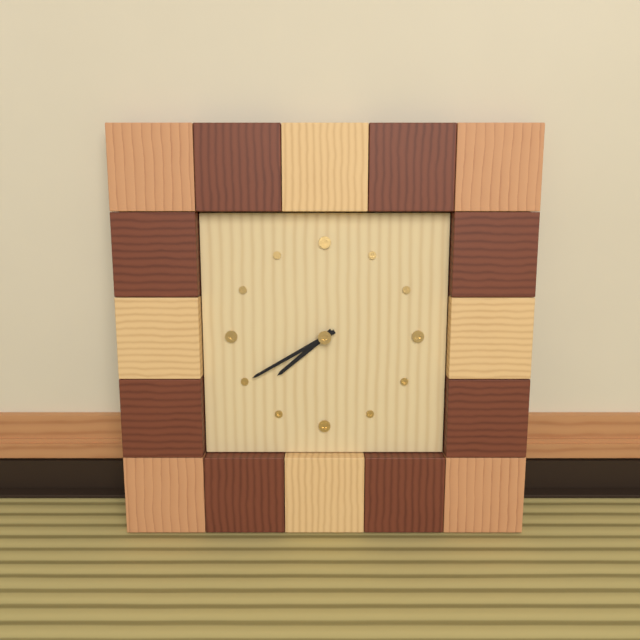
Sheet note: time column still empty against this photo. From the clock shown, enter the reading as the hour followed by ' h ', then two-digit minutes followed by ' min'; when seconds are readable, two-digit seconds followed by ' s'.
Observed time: 7 h 40 min
